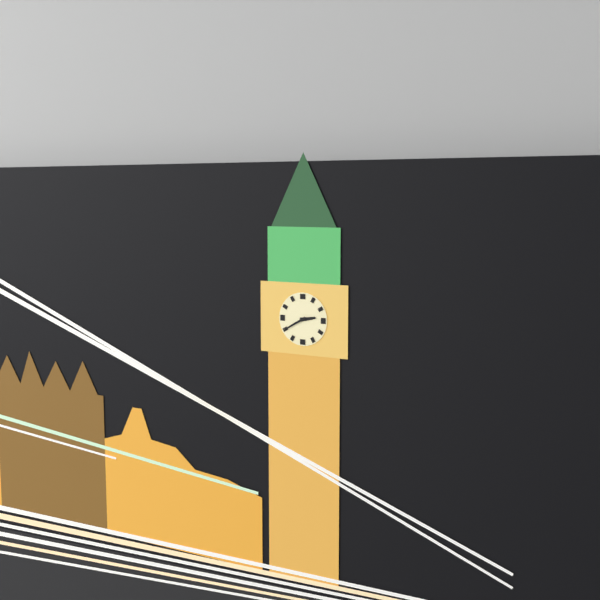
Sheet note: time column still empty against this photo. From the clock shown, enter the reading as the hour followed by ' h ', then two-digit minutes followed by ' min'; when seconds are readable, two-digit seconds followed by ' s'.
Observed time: 2 h 40 min
